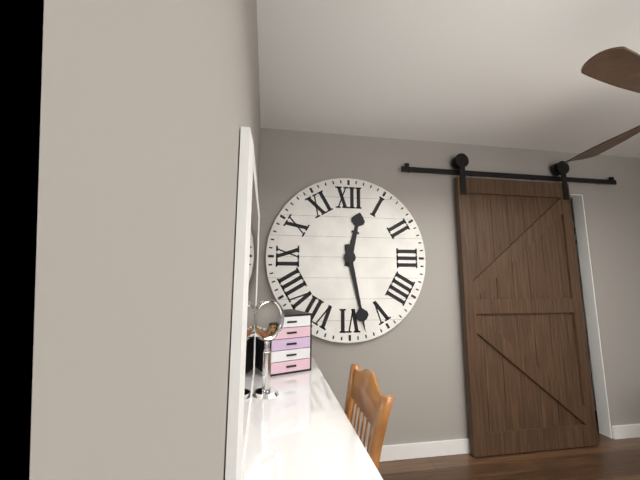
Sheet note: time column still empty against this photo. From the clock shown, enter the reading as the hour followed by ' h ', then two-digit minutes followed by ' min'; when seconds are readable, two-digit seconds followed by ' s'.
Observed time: 12 h 28 min
